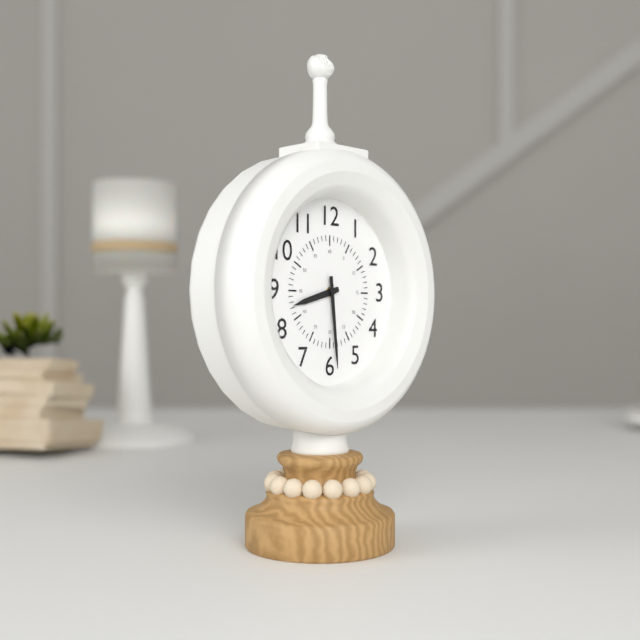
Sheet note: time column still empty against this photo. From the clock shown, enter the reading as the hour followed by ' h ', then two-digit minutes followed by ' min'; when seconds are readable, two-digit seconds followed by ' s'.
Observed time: 8 h 29 min
